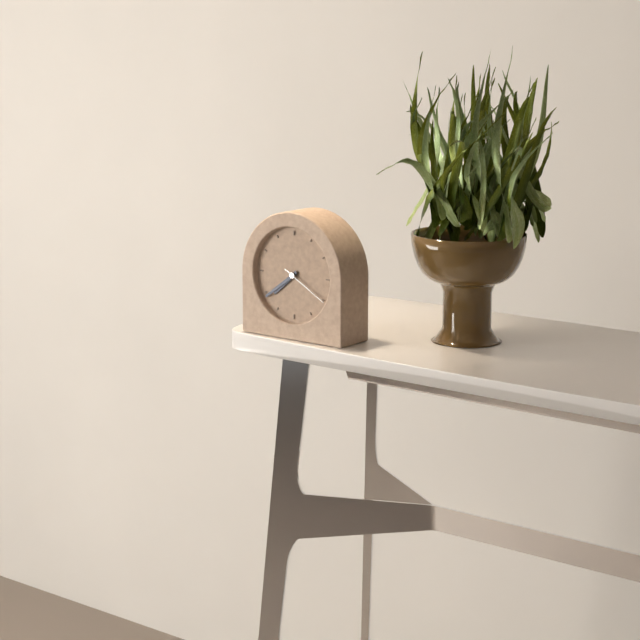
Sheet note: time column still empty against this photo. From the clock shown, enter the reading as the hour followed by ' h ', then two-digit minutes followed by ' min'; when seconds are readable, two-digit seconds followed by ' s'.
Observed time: 7 h 39 min 20 s
